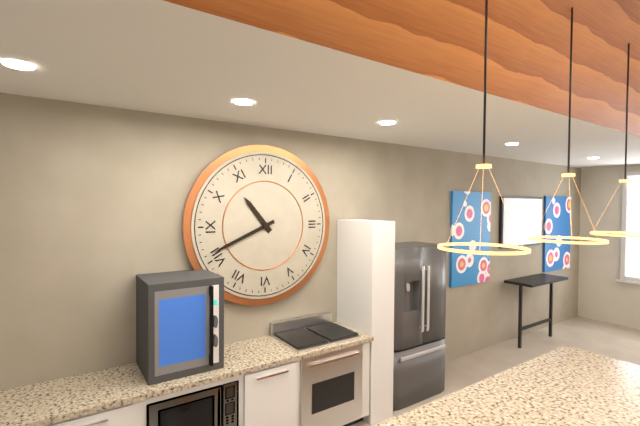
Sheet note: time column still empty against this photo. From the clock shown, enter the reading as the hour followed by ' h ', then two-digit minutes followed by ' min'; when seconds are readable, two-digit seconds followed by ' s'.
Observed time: 10 h 41 min
